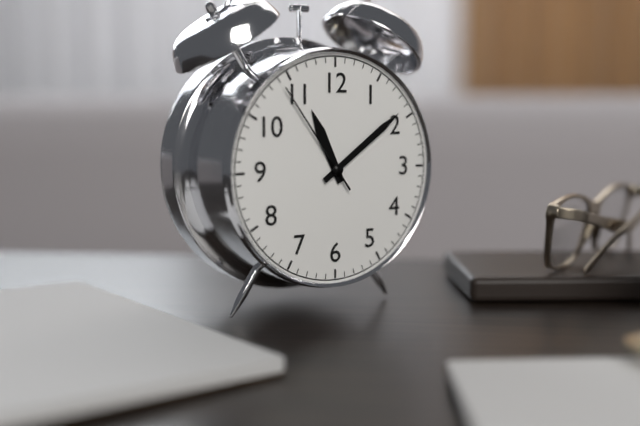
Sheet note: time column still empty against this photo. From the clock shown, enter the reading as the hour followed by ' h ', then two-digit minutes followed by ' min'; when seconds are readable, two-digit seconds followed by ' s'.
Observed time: 11 h 09 min 54 s
